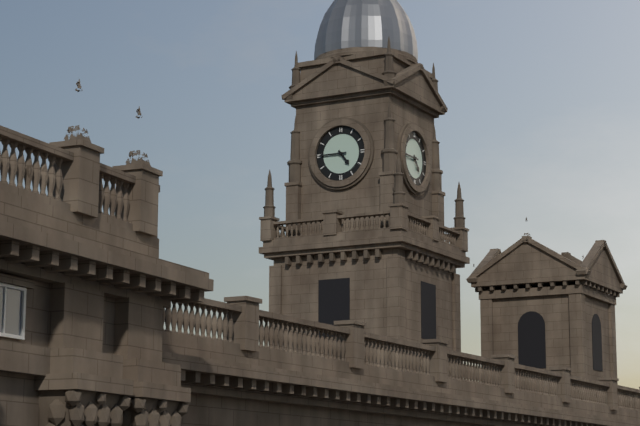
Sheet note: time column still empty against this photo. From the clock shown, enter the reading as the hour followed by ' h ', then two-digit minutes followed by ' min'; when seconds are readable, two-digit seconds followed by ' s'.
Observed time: 4 h 45 min
